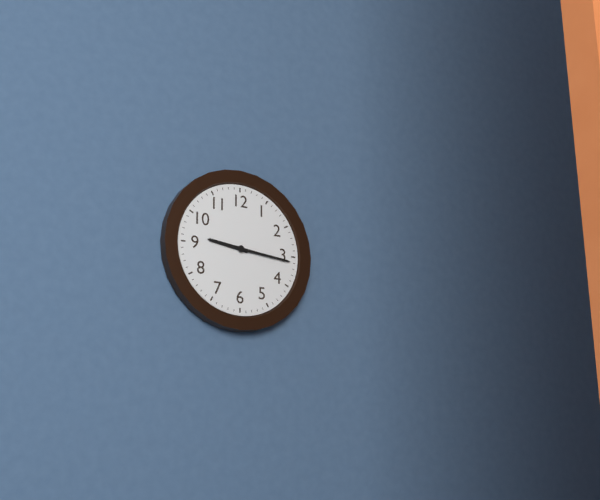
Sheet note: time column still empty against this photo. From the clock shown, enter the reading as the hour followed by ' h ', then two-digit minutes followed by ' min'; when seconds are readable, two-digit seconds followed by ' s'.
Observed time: 9 h 16 min
